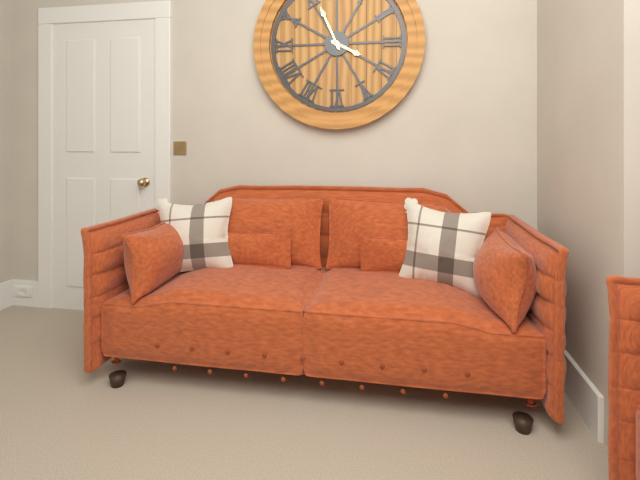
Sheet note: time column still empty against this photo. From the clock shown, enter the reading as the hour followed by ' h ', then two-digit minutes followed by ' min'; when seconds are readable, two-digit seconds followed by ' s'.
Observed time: 3 h 56 min
